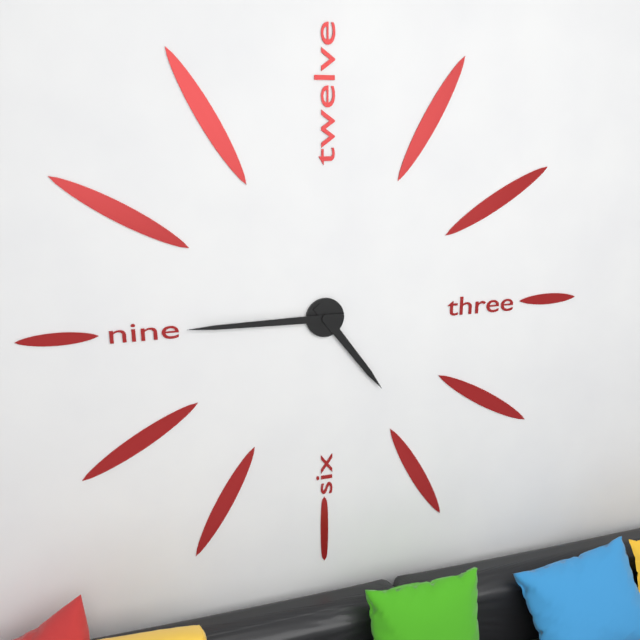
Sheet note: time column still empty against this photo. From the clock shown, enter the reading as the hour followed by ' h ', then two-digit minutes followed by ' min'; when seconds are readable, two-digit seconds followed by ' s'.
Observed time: 4 h 45 min
